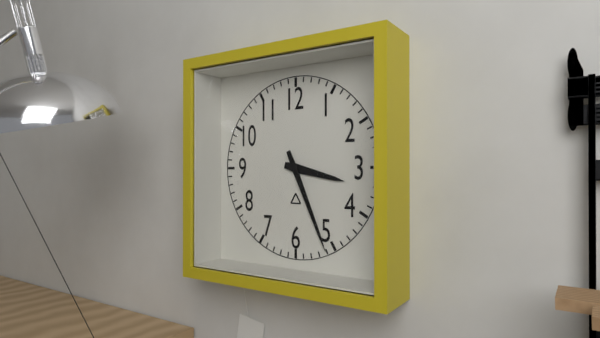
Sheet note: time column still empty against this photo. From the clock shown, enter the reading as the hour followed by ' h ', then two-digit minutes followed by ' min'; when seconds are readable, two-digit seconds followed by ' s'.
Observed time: 3 h 26 min
